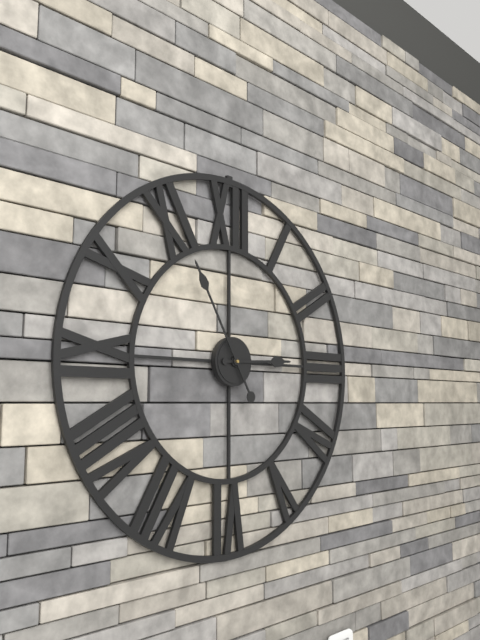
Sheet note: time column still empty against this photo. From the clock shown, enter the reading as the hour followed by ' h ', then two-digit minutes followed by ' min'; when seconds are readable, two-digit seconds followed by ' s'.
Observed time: 2 h 55 min
